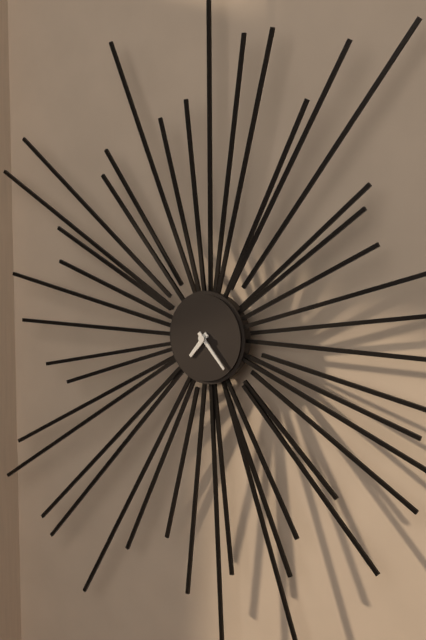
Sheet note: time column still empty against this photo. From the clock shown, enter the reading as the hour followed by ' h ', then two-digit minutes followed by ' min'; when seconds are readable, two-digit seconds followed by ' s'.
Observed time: 7 h 23 min
